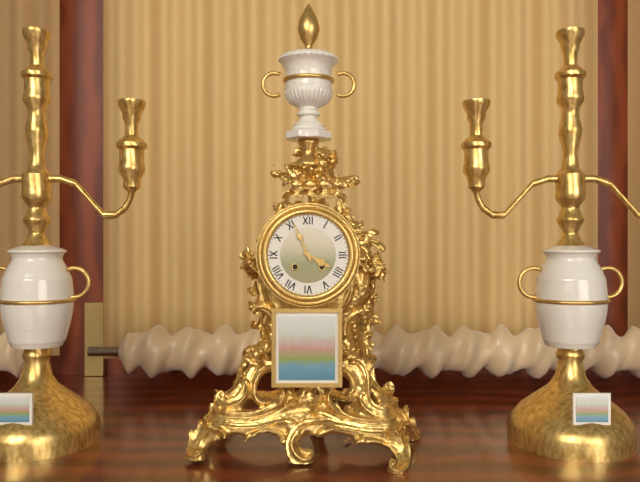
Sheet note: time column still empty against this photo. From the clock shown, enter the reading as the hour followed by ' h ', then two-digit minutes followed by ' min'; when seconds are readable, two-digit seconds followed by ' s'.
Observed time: 3 h 56 min
